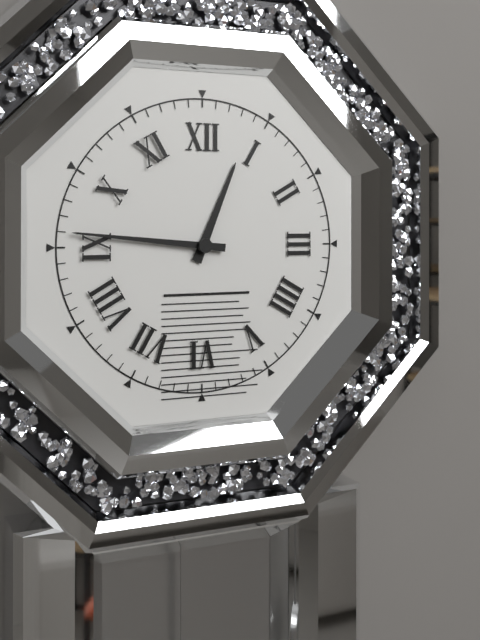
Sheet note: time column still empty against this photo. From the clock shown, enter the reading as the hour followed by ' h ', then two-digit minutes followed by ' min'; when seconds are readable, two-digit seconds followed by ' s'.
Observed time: 12 h 46 min
